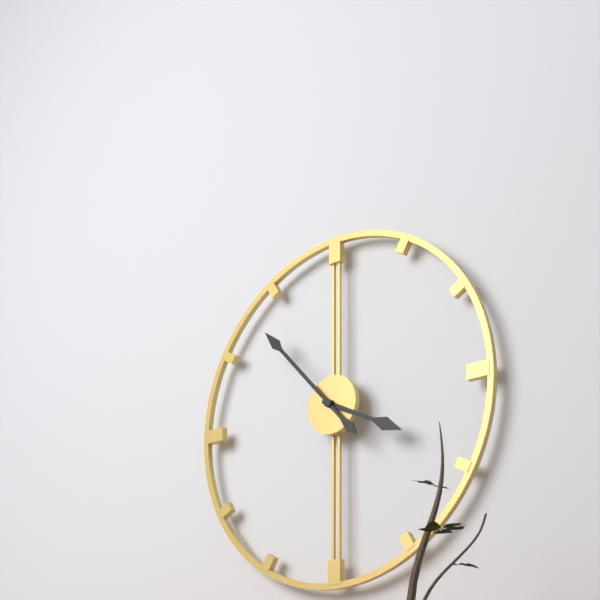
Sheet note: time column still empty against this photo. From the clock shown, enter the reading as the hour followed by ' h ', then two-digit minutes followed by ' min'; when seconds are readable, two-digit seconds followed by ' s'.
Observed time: 3 h 53 min
